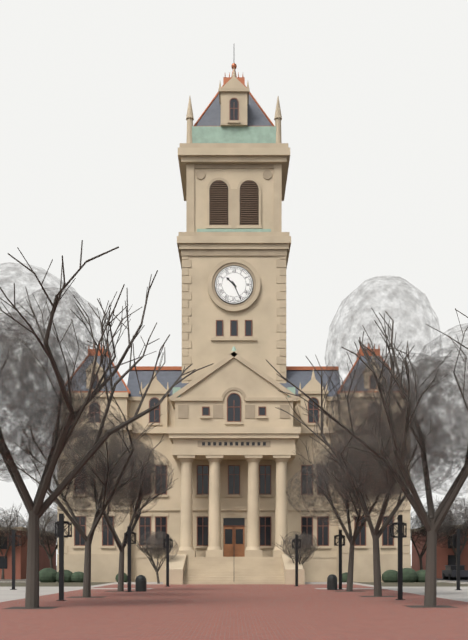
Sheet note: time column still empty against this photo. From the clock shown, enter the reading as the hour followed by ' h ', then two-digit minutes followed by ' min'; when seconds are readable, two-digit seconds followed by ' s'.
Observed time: 10 h 26 min
